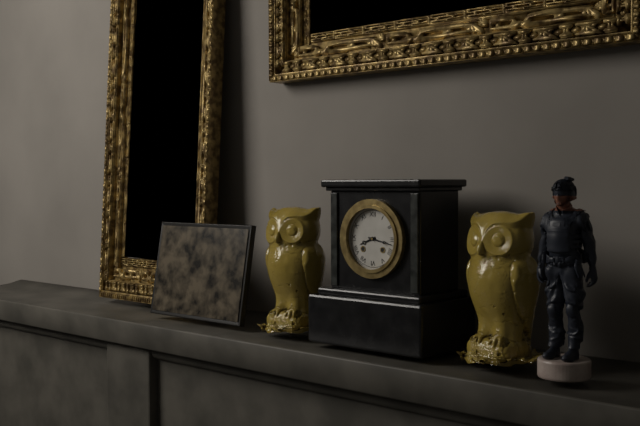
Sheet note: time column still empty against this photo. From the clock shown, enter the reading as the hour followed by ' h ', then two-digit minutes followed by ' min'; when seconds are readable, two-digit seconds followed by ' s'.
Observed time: 8 h 17 min
